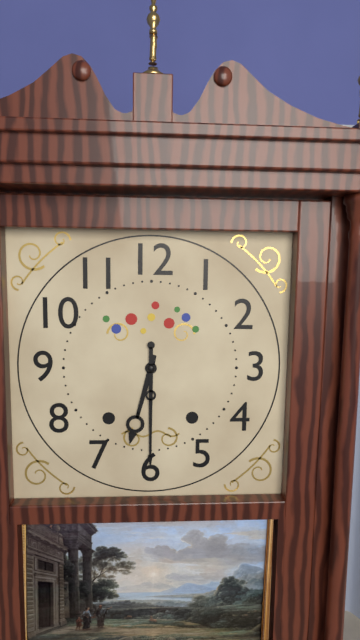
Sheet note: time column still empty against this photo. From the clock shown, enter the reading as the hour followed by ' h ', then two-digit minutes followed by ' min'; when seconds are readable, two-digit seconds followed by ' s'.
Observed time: 6 h 30 min
